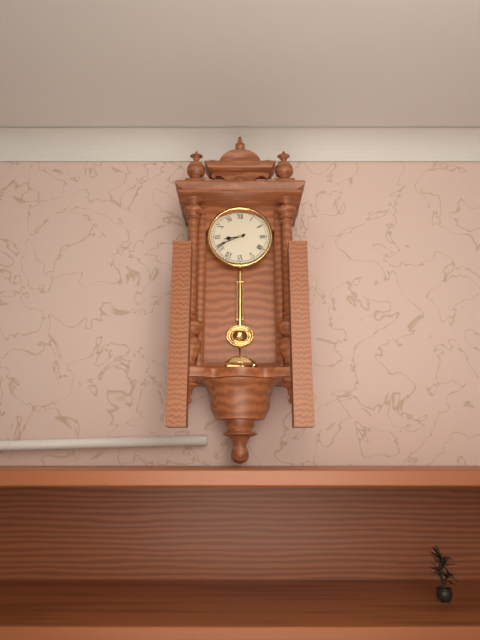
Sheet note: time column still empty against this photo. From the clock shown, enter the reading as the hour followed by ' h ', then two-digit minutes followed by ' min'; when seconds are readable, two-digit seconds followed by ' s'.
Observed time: 8 h 41 min
